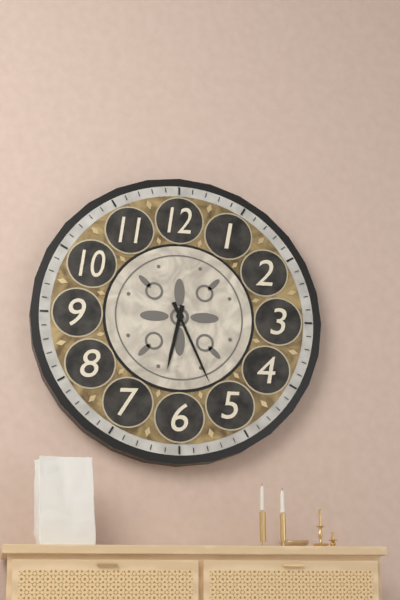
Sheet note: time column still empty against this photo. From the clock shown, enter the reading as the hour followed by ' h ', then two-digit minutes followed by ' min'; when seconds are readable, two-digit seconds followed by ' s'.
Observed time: 6 h 26 min
